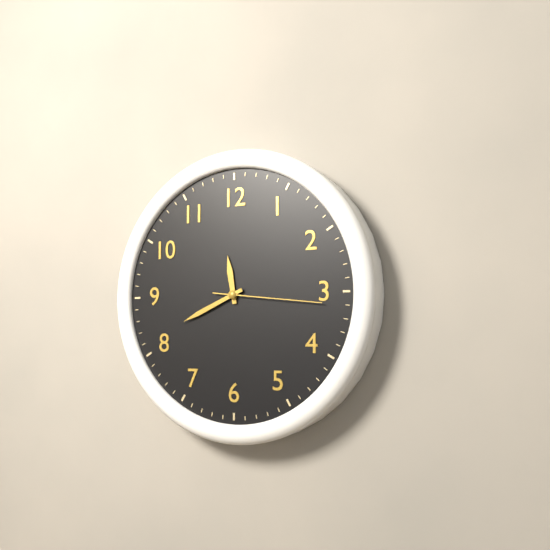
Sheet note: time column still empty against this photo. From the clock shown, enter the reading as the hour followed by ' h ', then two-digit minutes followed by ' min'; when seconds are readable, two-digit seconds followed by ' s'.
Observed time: 11 h 41 min 16 s
